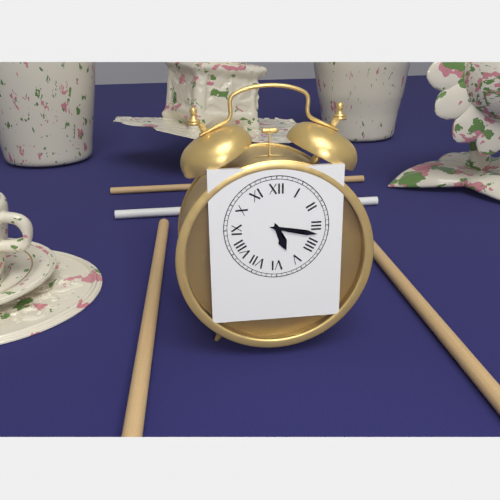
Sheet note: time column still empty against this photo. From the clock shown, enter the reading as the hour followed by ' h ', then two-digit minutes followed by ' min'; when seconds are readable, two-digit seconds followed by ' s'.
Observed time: 5 h 17 min
